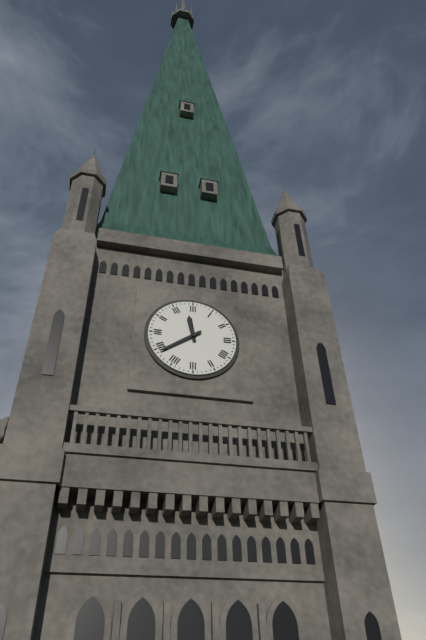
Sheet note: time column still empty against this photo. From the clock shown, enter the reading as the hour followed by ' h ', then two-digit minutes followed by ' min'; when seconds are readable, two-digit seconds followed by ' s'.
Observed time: 11 h 39 min
